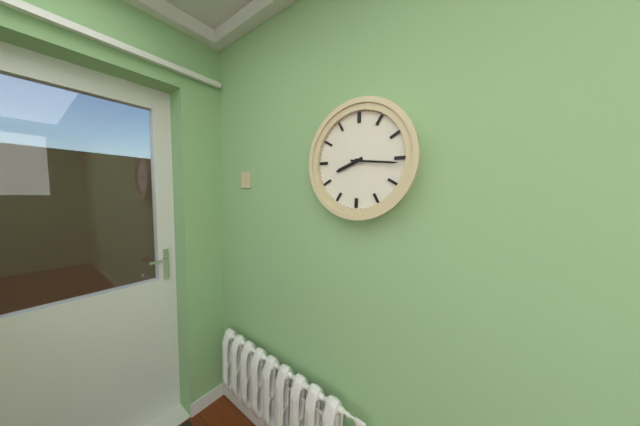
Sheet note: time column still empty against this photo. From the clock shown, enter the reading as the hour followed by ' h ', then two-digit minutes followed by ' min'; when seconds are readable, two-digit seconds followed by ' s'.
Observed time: 8 h 16 min
